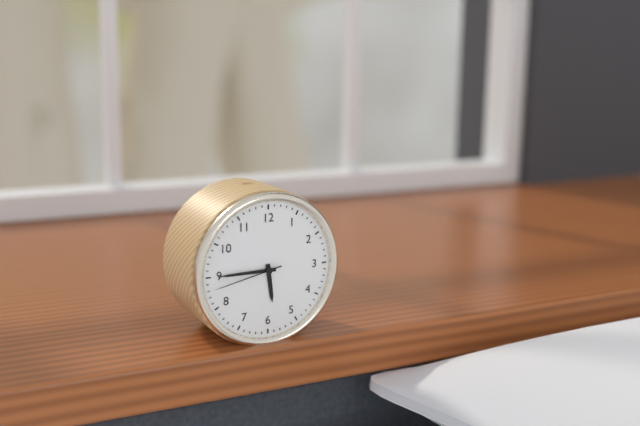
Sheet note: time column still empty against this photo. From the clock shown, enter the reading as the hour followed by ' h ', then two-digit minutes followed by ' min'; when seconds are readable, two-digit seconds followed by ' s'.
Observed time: 5 h 45 min 43 s
